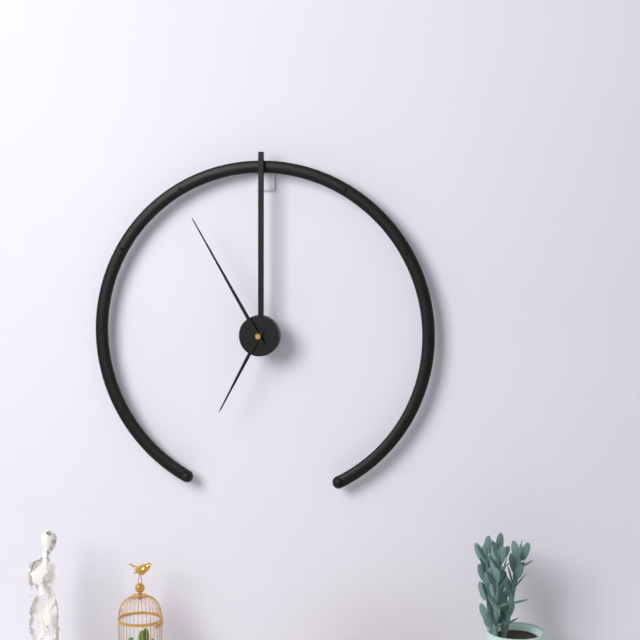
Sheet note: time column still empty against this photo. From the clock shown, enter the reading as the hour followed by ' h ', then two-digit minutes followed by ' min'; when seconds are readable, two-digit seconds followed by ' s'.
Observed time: 6 h 55 min
